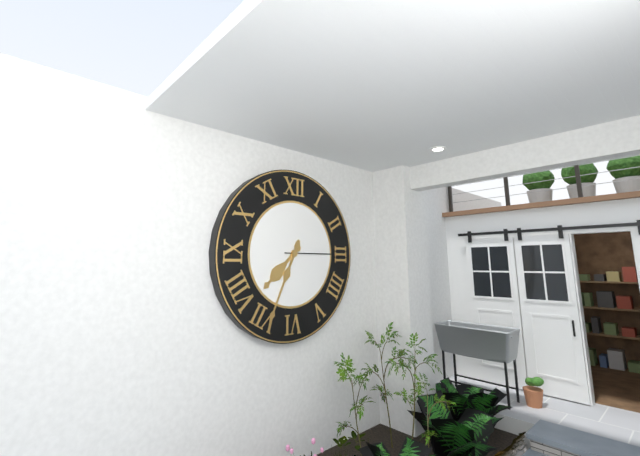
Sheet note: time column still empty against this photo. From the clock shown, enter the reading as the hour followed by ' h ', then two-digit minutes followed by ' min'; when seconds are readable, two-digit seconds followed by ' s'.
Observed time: 7 h 34 min
